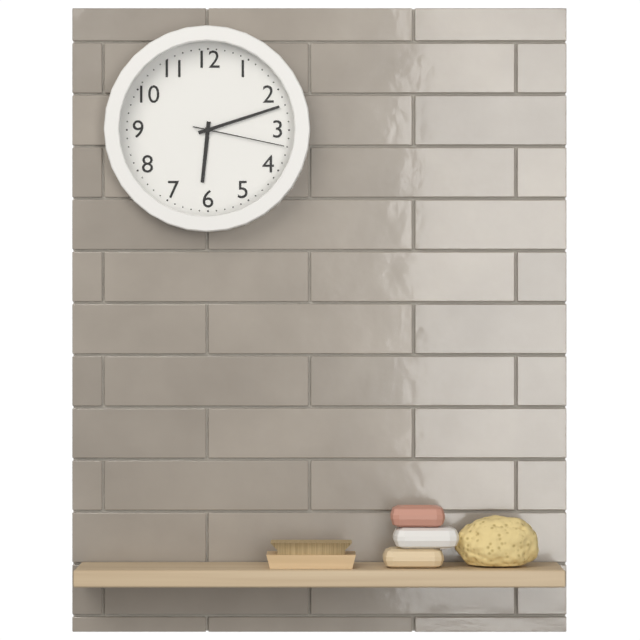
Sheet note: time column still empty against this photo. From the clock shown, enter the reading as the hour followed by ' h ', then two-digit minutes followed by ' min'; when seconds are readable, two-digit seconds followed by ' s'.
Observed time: 6 h 12 min 17 s
